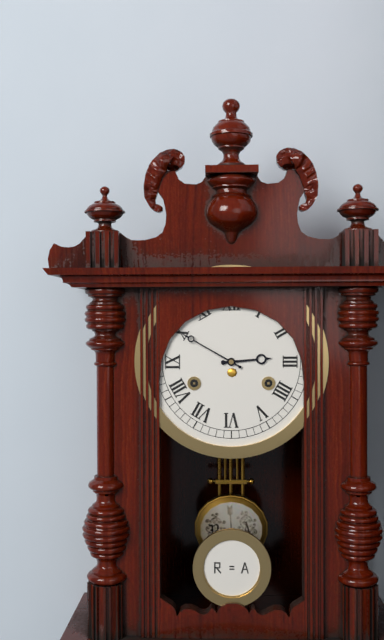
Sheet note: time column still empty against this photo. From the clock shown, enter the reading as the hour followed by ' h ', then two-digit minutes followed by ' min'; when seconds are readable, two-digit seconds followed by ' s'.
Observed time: 2 h 50 min
